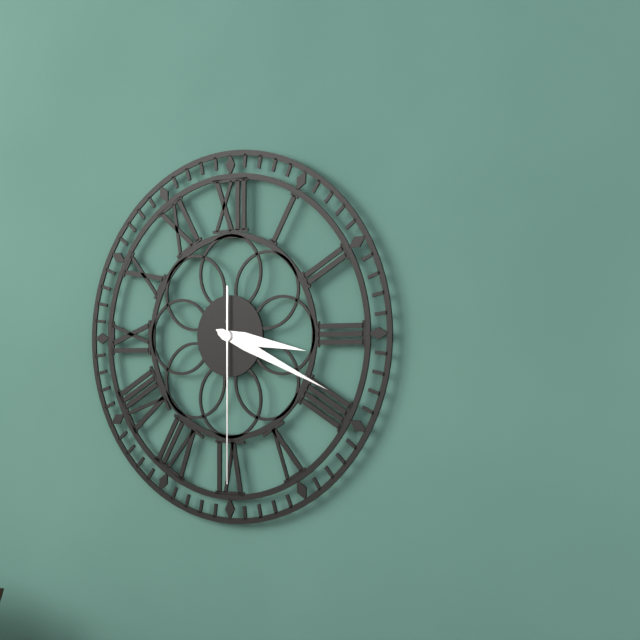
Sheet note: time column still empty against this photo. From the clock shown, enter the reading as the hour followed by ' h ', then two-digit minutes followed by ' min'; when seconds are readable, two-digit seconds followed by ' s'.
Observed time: 3 h 19 min 30 s
